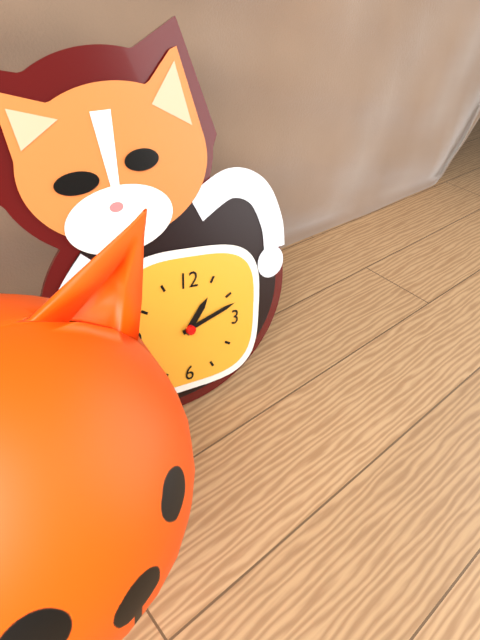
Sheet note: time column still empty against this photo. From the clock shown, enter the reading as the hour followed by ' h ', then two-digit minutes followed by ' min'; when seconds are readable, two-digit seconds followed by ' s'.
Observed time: 1 h 12 min
